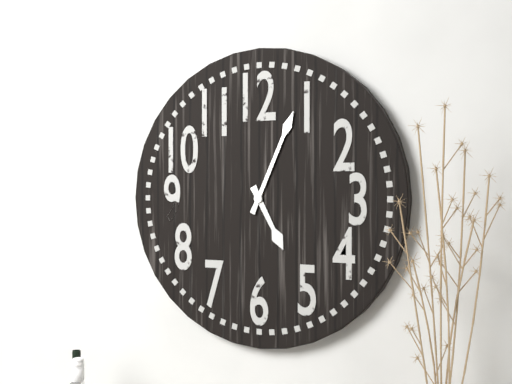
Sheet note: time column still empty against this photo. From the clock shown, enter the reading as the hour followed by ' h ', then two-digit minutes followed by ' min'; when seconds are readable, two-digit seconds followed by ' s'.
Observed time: 5 h 04 min
